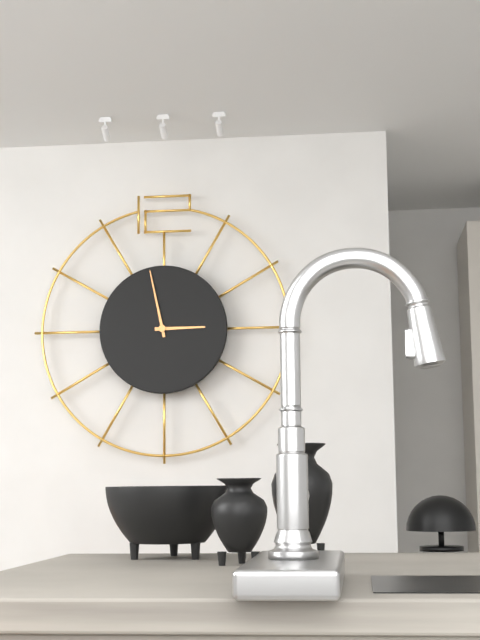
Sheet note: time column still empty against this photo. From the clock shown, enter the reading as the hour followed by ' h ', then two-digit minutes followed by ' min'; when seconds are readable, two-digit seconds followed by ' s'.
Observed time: 2 h 58 min
